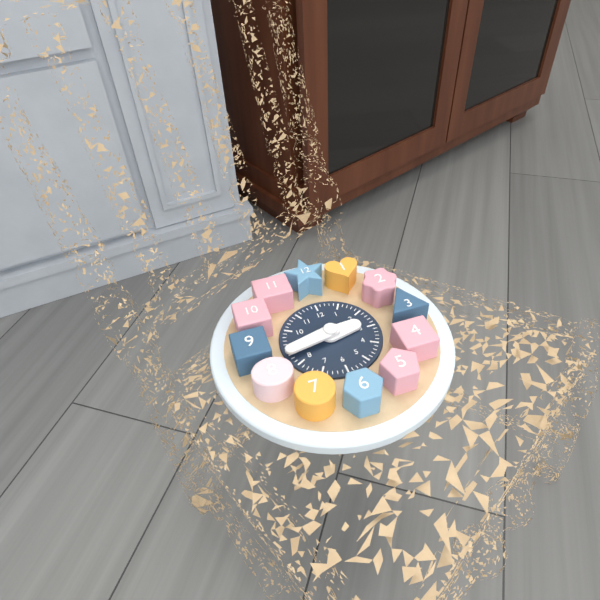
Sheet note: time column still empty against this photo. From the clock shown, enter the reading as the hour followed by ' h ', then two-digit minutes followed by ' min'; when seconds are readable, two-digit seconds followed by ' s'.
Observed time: 2 h 43 min
